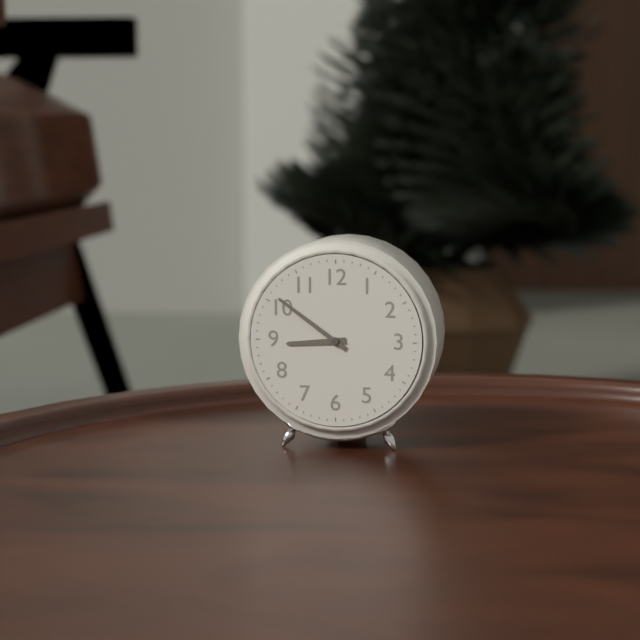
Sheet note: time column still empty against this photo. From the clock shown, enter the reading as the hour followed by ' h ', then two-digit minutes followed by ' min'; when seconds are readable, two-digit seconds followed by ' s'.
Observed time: 8 h 51 min
